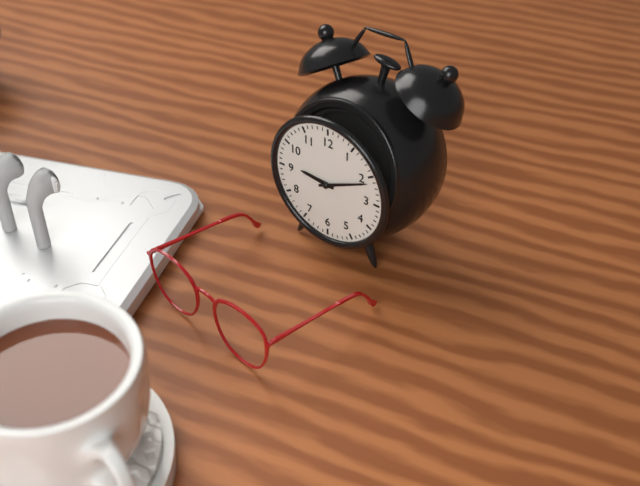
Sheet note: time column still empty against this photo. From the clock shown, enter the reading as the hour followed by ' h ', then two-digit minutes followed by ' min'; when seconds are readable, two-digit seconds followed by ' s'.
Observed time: 9 h 11 min
